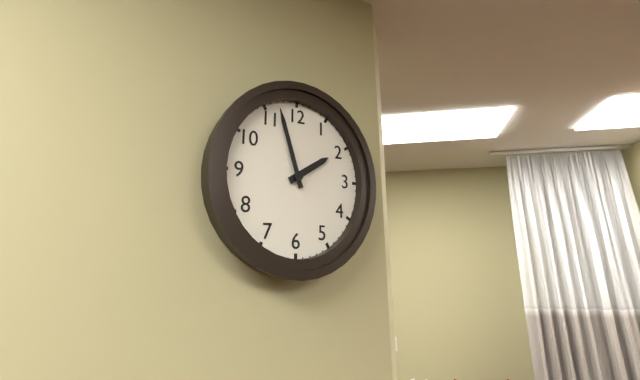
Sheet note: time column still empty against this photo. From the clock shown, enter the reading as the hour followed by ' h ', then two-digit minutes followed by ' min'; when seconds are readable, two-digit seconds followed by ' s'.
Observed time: 1 h 57 min
